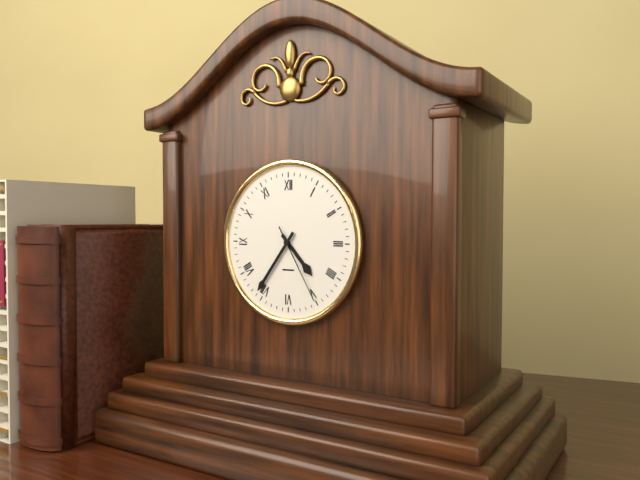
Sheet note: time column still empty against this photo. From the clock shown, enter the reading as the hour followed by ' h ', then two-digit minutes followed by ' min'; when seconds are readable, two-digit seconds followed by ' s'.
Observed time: 4 h 36 min 25 s
